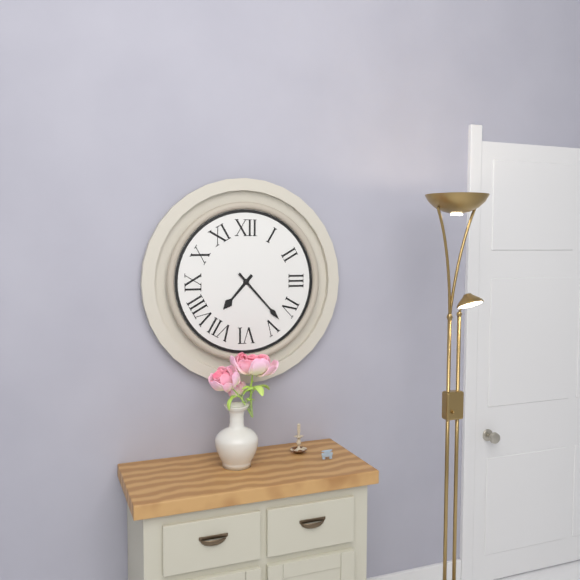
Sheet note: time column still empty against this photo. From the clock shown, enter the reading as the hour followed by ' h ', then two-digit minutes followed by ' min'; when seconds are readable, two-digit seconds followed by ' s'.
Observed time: 7 h 23 min
